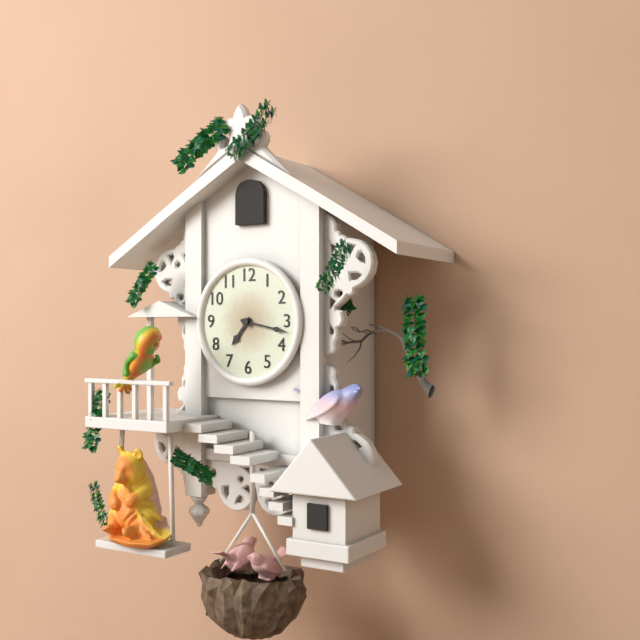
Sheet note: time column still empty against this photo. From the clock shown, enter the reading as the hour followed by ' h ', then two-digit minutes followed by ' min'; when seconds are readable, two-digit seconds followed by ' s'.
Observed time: 7 h 17 min
